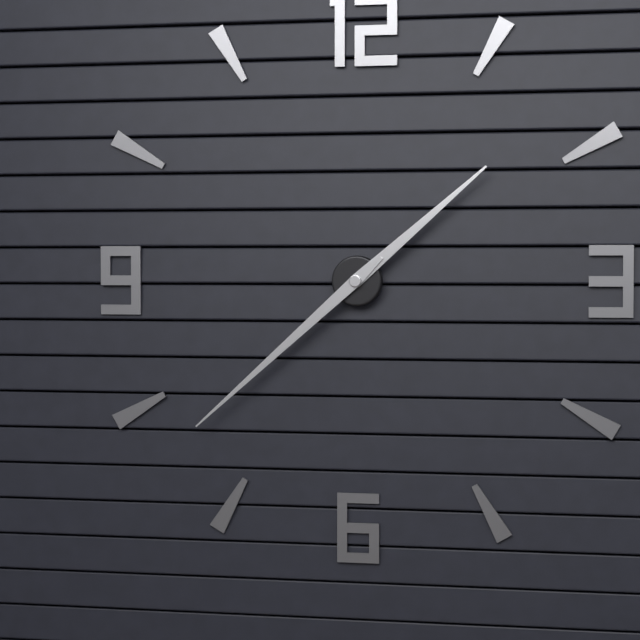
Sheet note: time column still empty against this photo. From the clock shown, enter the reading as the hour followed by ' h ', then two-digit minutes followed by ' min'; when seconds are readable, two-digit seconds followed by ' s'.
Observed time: 1 h 38 min
